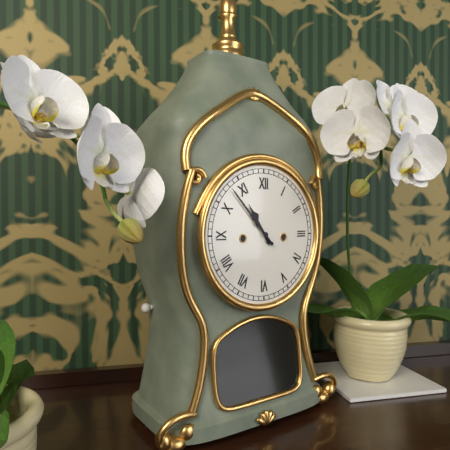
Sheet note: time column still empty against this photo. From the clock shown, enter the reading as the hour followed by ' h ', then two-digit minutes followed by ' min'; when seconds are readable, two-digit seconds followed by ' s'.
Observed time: 10 h 53 min
